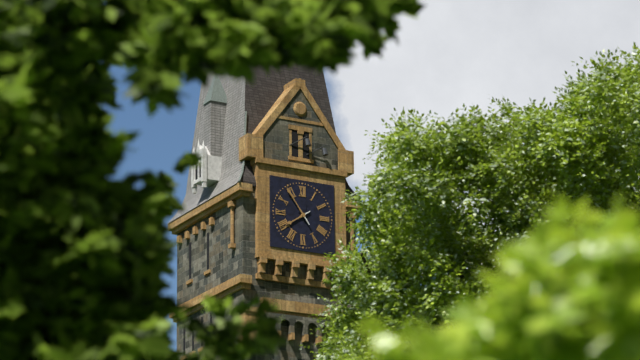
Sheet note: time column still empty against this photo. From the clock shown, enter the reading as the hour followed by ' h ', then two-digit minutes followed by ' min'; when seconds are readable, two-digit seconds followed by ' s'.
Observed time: 7 h 54 min
